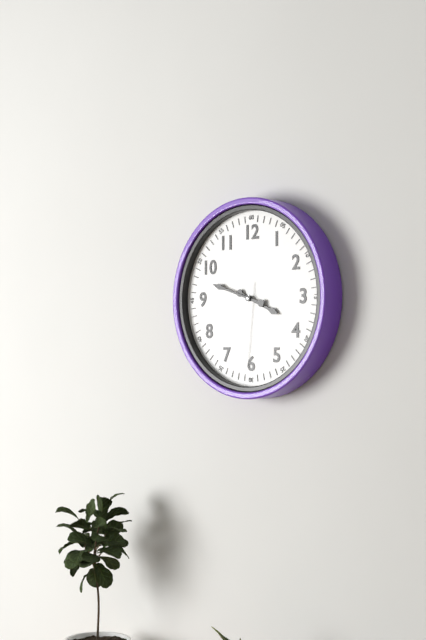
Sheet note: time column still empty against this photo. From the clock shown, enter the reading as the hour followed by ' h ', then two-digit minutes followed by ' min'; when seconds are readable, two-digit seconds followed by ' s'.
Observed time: 3 h 48 min 31 s
